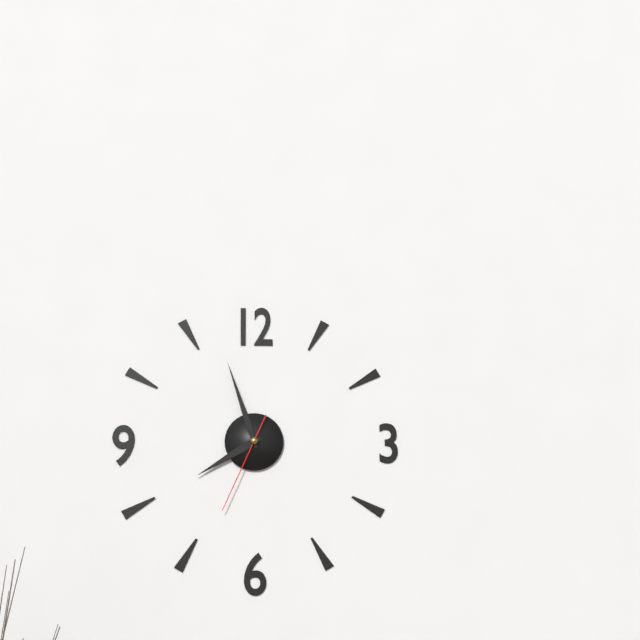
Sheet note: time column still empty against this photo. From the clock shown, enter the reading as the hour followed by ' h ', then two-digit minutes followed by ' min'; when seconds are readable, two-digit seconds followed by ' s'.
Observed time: 7 h 57 min 34 s
